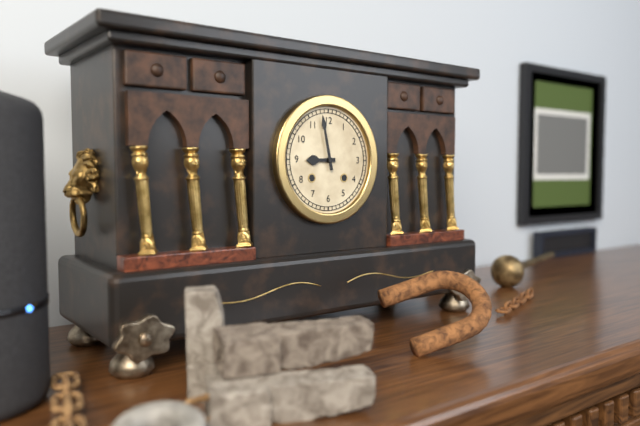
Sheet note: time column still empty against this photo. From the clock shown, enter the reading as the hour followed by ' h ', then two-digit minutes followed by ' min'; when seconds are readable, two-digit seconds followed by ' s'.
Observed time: 8 h 58 min
